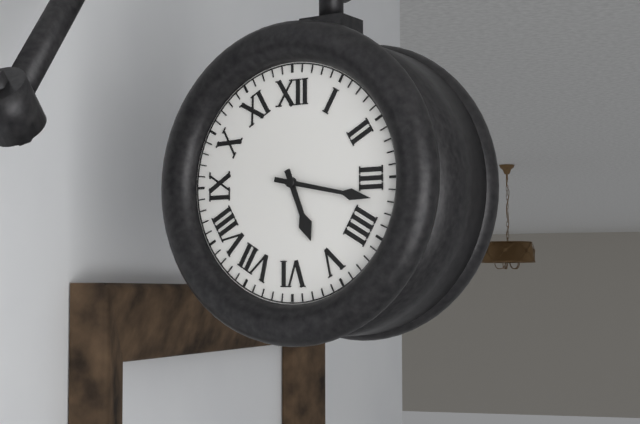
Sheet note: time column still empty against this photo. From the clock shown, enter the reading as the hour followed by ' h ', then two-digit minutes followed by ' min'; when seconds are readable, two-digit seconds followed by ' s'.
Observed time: 5 h 17 min
